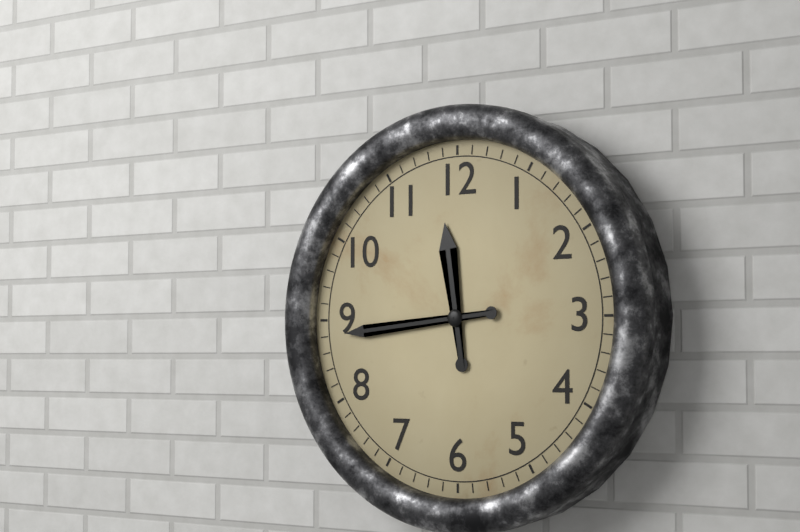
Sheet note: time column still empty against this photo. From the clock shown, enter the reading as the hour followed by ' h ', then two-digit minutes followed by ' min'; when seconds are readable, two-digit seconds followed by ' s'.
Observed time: 11 h 44 min
